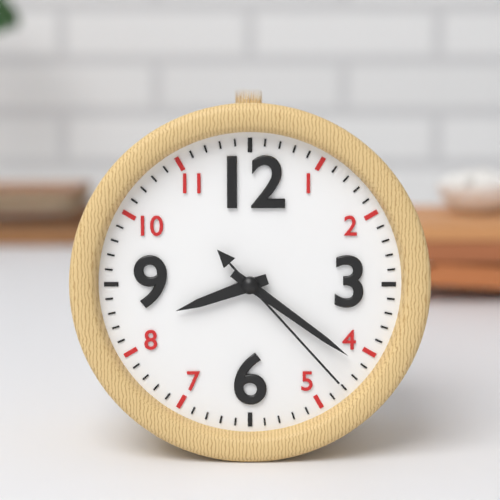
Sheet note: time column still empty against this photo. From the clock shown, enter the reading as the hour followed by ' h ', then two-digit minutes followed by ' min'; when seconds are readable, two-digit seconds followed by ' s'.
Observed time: 8 h 21 min 23 s
